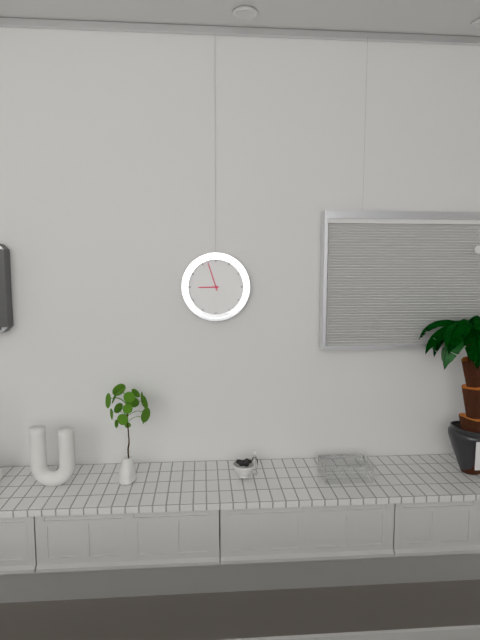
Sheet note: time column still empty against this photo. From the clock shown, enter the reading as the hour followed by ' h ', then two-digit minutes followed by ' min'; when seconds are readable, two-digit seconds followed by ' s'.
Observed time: 8 h 57 min
